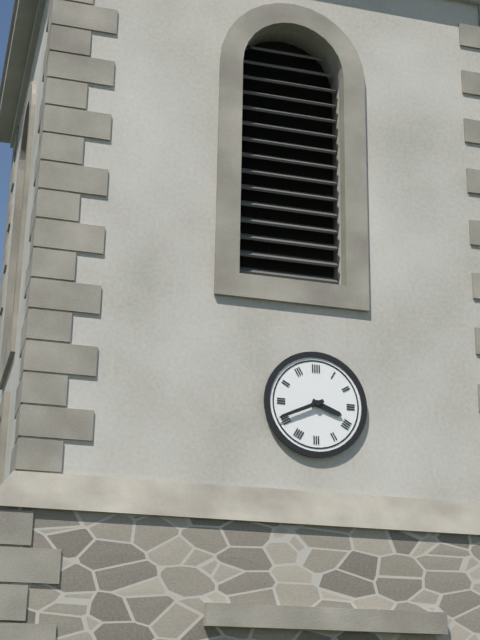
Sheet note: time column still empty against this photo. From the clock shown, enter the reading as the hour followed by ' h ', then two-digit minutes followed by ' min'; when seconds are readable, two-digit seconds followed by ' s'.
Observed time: 3 h 41 min
